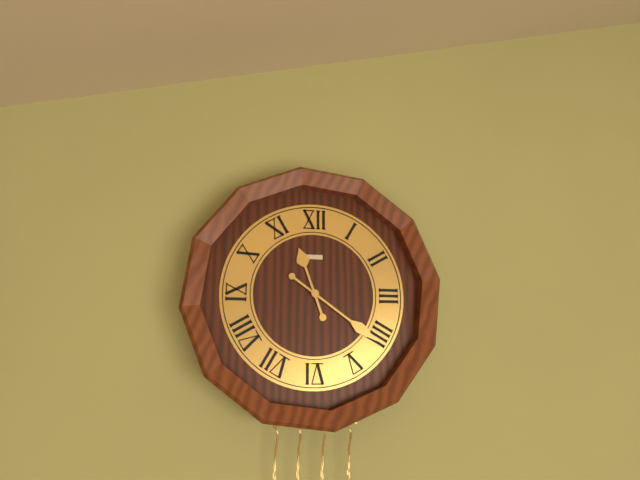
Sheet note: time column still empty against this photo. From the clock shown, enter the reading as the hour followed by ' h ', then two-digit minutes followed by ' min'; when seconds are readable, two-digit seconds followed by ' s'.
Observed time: 11 h 21 min
